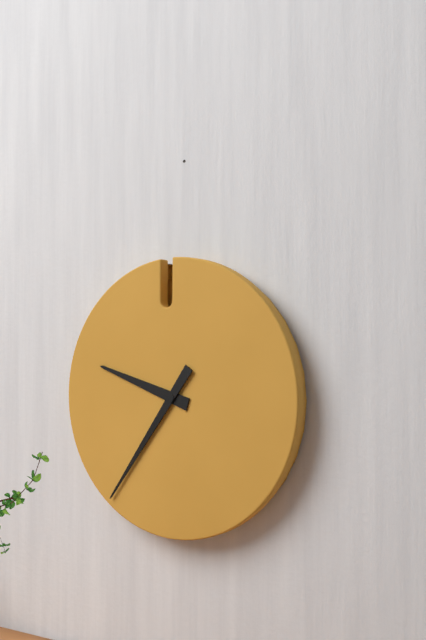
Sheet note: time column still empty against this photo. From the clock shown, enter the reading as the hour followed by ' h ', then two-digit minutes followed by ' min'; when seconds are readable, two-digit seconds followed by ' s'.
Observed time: 9 h 36 min
